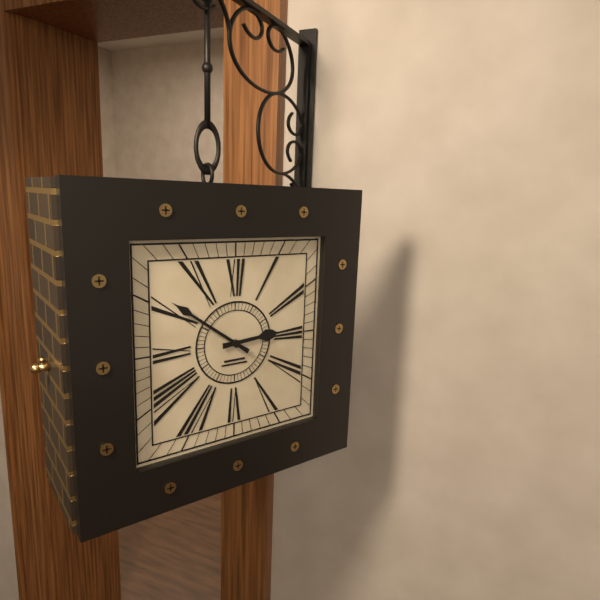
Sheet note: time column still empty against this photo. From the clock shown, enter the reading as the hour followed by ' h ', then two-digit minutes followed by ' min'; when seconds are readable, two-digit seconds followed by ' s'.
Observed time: 2 h 51 min
